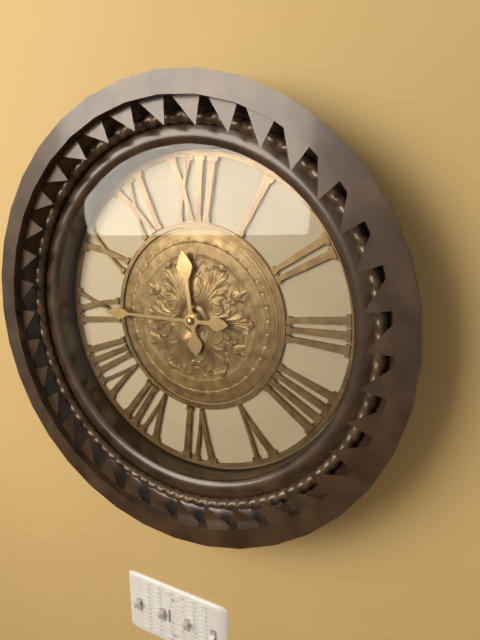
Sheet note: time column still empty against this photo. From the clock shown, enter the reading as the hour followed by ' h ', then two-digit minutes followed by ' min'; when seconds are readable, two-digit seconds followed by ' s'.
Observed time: 11 h 45 min
